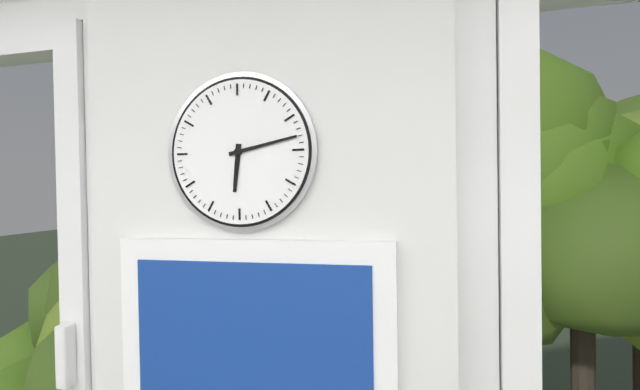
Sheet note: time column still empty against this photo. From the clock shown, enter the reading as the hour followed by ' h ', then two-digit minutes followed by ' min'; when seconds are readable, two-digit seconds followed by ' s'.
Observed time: 6 h 13 min
